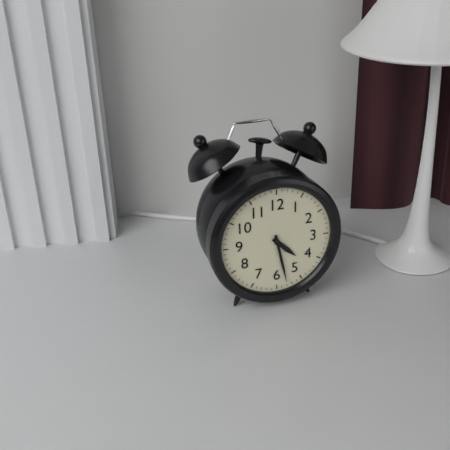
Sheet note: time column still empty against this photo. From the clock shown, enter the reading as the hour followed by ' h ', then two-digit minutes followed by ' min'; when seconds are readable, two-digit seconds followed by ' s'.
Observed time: 4 h 28 min
